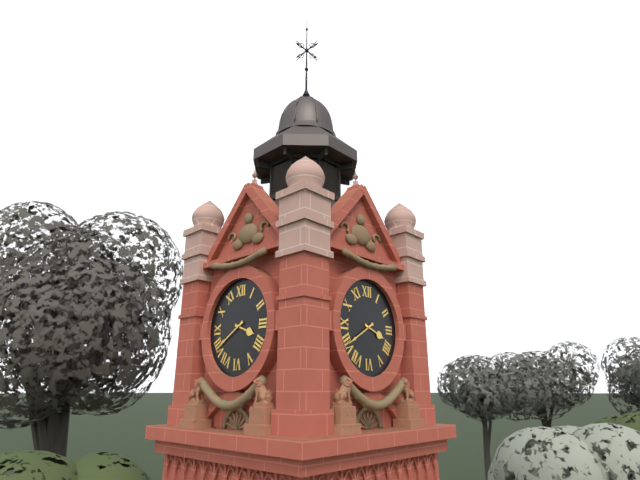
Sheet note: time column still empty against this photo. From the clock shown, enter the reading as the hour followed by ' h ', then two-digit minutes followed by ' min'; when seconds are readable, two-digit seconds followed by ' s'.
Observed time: 3 h 40 min
